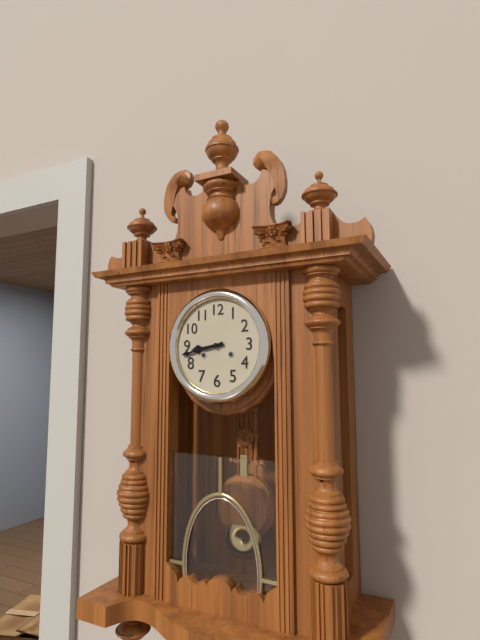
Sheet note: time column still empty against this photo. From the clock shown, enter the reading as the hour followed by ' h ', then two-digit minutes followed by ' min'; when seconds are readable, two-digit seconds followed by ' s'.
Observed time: 8 h 43 min
